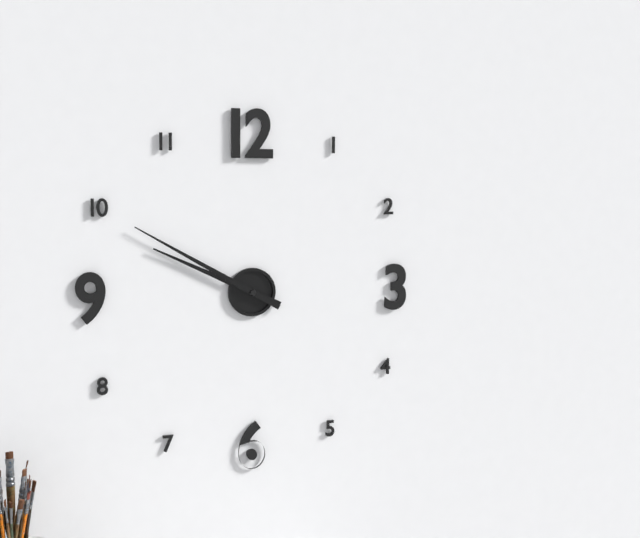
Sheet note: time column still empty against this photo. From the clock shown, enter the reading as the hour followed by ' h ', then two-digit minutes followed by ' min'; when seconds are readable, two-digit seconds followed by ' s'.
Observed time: 9 h 50 min
